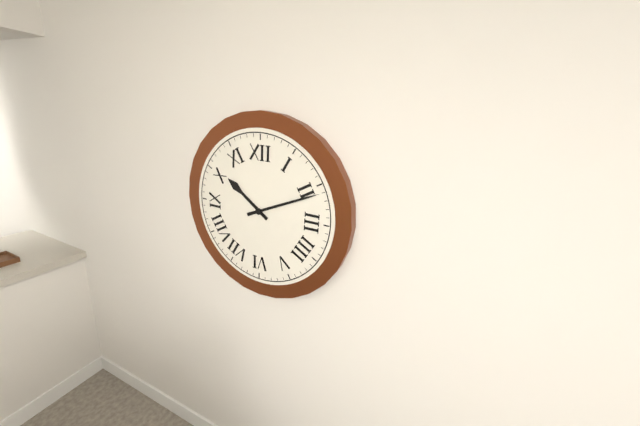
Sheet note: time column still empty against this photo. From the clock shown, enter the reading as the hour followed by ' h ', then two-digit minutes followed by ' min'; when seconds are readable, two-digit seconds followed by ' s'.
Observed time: 10 h 11 min
